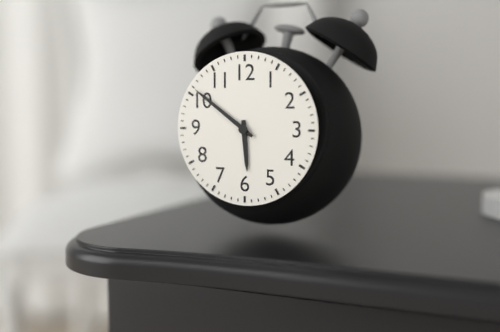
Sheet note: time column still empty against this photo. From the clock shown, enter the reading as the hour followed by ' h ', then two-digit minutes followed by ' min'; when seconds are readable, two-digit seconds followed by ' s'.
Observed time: 5 h 51 min
